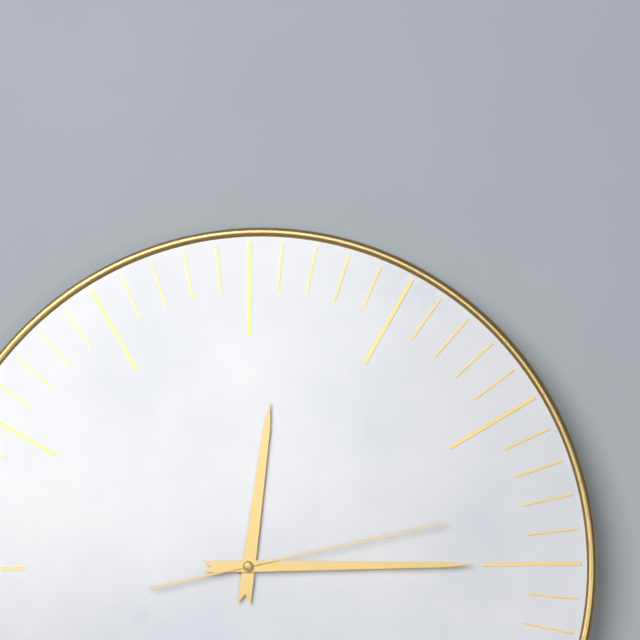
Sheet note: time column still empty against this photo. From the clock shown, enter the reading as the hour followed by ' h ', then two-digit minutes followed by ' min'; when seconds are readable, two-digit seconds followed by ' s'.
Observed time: 12 h 15 min 13 s
